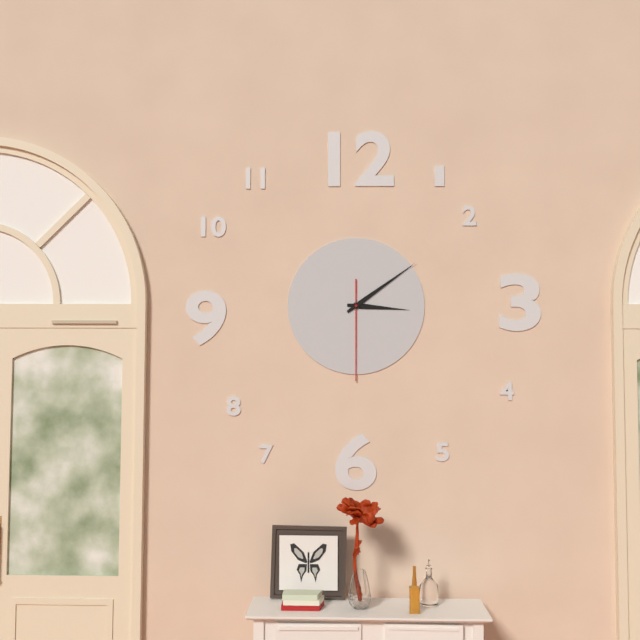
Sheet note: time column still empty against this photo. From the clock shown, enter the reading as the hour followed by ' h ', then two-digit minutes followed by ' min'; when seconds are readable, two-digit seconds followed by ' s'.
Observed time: 3 h 09 min 30 s
